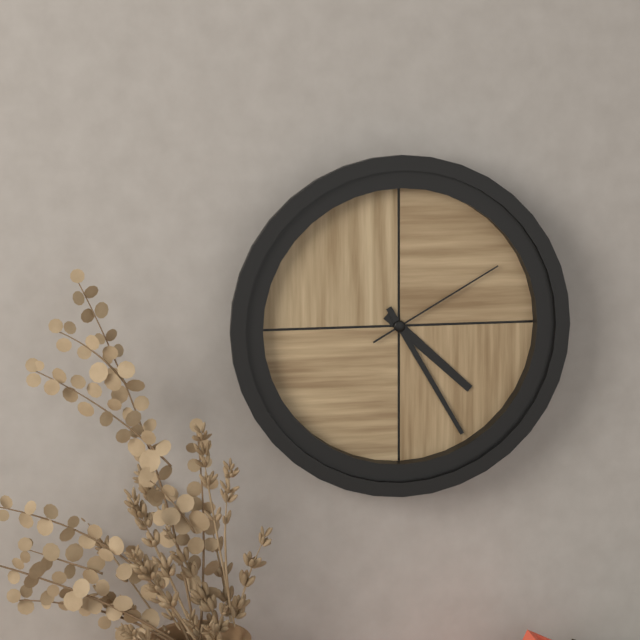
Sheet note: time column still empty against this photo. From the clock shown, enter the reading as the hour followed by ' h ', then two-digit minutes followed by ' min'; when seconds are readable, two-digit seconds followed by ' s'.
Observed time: 4 h 25 min 10 s
